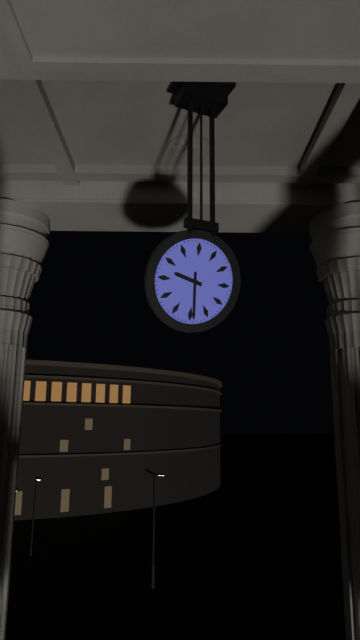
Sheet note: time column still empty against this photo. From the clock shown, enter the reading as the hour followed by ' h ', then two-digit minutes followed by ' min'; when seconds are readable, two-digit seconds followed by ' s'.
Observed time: 9 h 29 min
